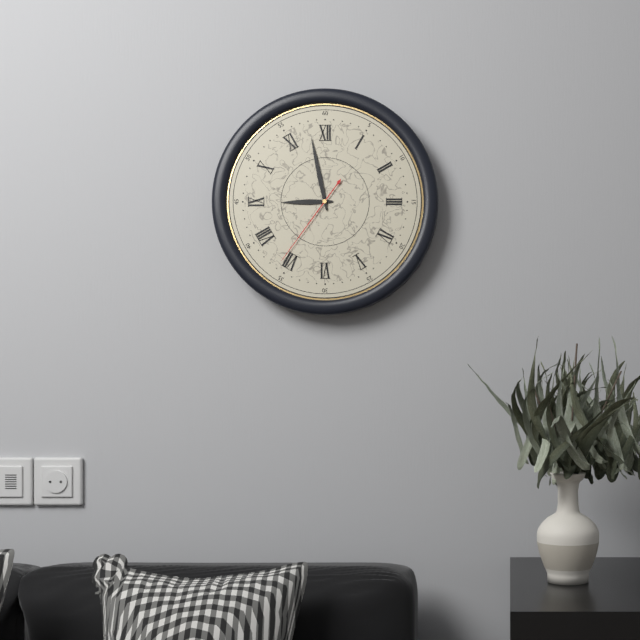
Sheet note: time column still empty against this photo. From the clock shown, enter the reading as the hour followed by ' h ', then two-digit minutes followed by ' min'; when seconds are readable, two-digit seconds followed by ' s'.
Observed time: 8 h 58 min 36 s
